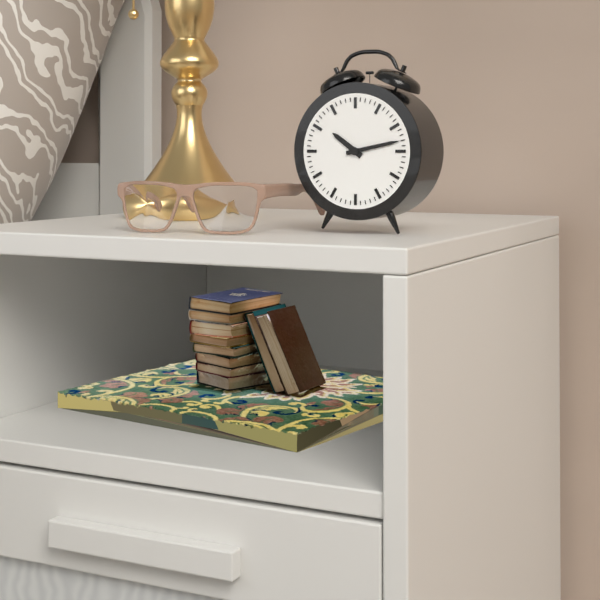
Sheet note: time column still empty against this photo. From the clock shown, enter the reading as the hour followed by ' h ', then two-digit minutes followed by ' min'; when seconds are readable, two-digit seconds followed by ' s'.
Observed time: 10 h 13 min
